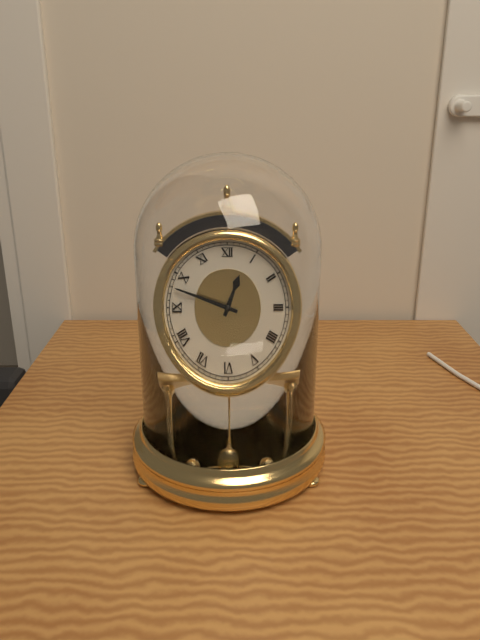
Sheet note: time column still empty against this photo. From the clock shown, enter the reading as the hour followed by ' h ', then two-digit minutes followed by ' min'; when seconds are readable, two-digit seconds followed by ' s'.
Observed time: 12 h 48 min
